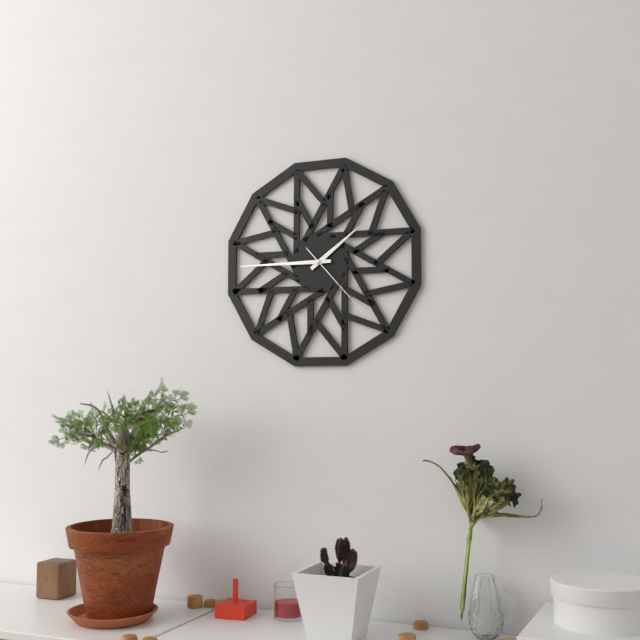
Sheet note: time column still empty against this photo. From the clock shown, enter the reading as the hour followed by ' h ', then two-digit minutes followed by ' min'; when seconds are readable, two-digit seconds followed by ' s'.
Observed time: 1 h 45 min 23 s
